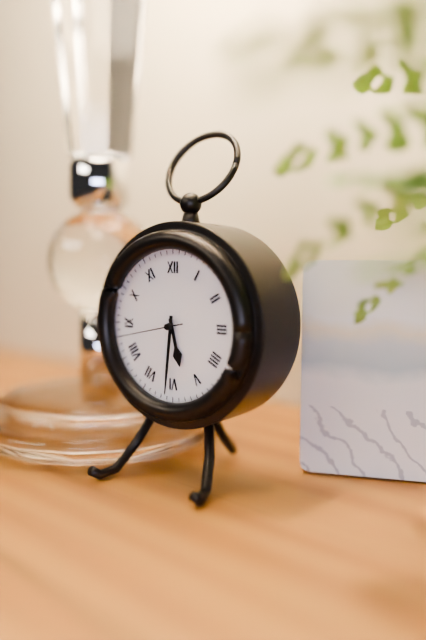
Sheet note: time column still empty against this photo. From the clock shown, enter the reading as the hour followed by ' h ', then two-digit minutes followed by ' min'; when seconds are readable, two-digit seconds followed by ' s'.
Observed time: 5 h 31 min 43 s
